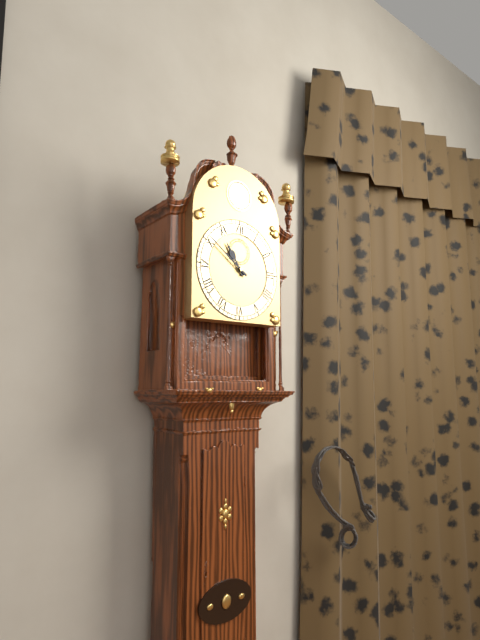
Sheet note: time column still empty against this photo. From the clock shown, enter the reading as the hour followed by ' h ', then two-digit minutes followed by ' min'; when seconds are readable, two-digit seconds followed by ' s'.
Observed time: 10 h 51 min
